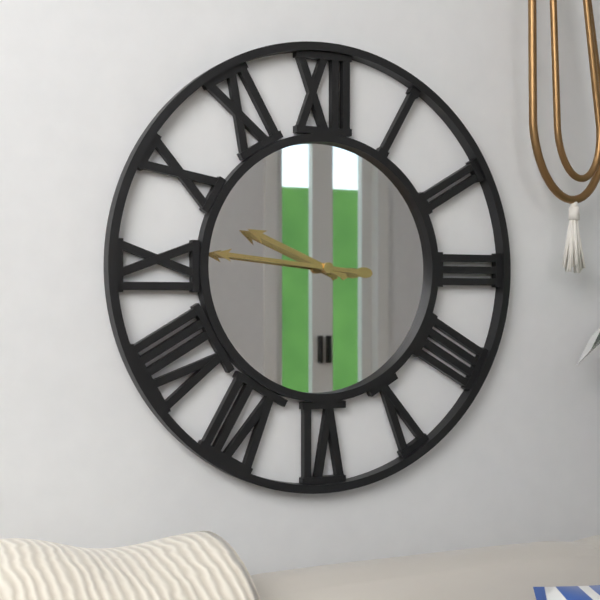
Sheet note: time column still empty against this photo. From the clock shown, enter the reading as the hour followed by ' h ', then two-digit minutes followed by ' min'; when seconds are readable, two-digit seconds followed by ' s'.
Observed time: 9 h 46 min
